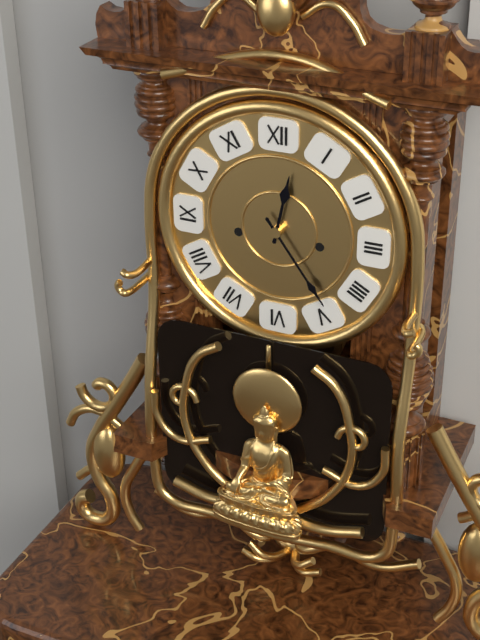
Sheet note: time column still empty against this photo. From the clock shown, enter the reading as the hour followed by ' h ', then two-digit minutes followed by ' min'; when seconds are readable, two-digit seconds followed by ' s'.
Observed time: 12 h 24 min
